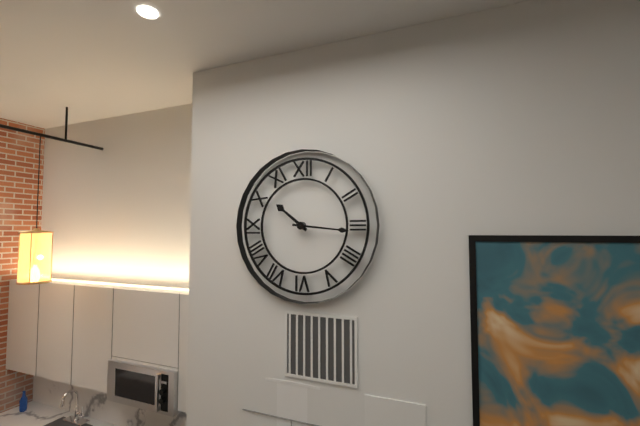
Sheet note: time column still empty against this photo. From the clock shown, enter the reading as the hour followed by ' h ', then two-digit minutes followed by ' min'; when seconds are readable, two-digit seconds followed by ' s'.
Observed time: 10 h 16 min
